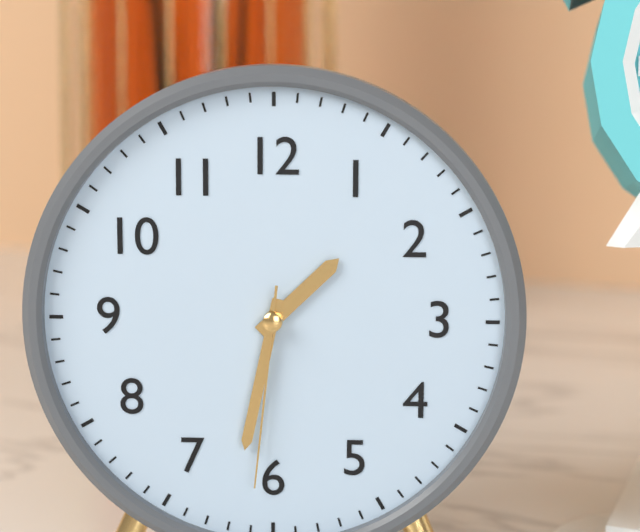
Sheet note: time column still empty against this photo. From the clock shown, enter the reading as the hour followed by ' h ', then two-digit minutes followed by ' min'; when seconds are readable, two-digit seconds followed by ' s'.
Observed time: 1 h 32 min 31 s
